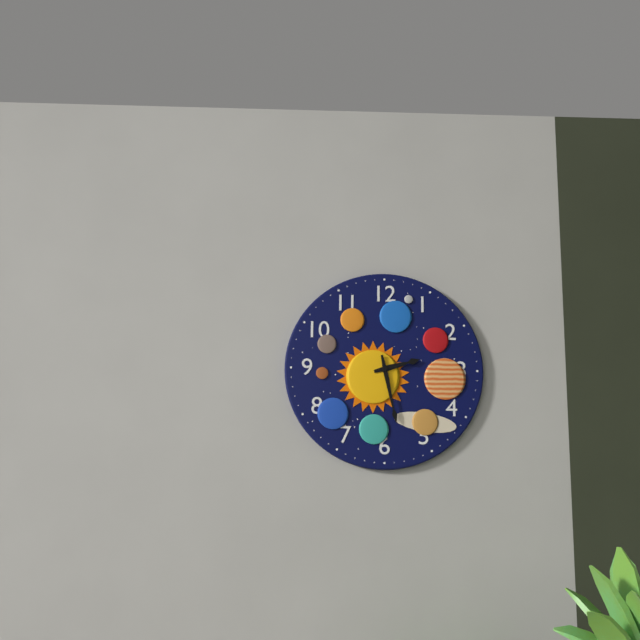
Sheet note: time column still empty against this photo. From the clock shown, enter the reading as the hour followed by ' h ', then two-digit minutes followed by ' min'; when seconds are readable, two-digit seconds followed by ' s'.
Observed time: 2 h 28 min
